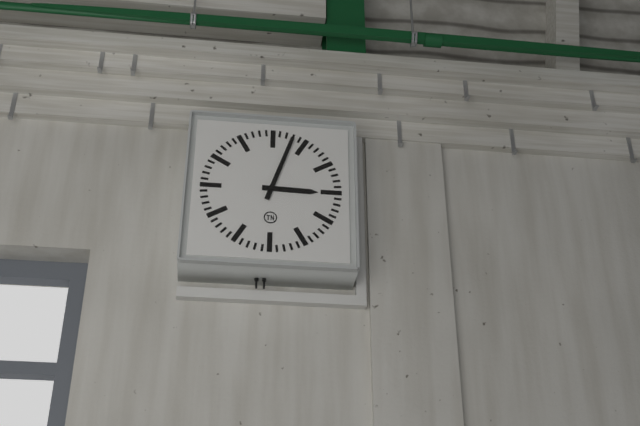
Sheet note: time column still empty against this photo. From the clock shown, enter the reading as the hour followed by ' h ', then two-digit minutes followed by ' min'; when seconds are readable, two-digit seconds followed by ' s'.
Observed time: 3 h 03 min
